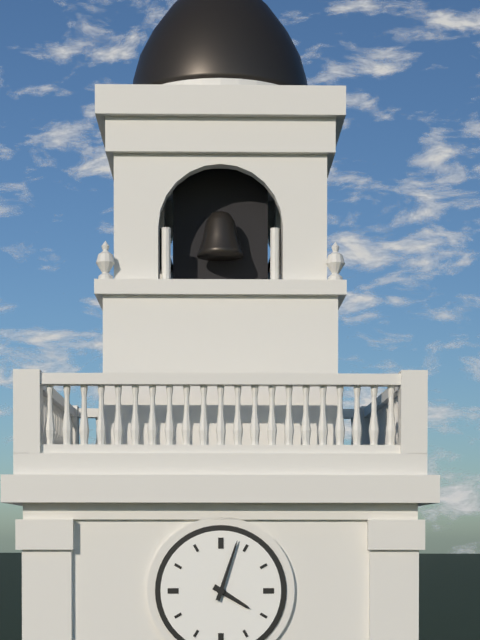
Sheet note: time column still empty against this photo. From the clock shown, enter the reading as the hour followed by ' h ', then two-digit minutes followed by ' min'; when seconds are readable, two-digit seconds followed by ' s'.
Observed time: 4 h 03 min
